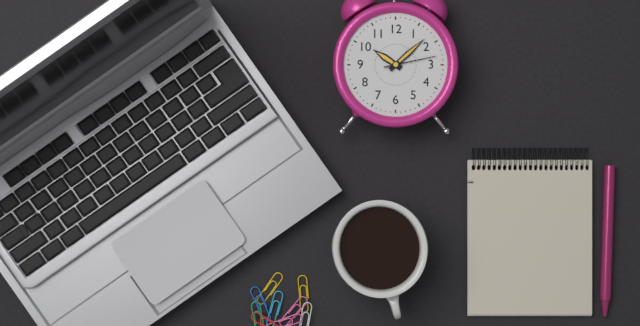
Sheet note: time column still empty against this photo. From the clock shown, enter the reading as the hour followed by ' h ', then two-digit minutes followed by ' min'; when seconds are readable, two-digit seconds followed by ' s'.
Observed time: 10 h 08 min 13 s
